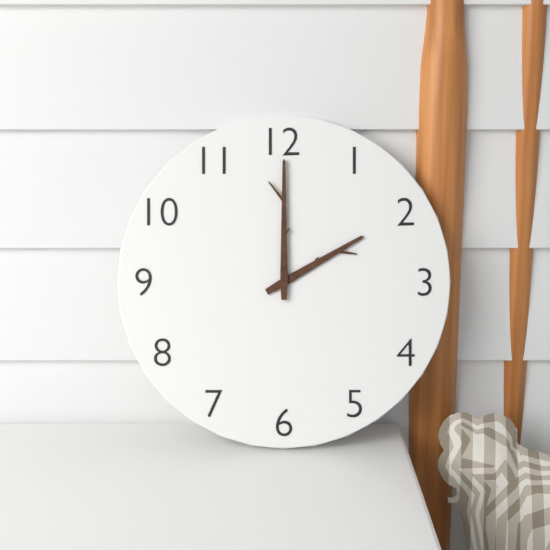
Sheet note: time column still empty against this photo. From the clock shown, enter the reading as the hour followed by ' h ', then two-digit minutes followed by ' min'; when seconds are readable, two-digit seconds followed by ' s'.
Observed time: 2 h 00 min
